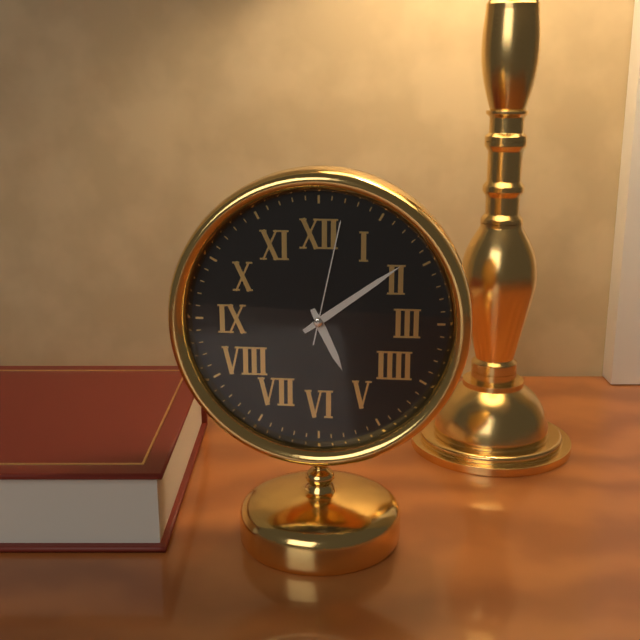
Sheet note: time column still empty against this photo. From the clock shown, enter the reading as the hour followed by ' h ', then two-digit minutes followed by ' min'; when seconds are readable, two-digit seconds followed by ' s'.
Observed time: 5 h 09 min 02 s
